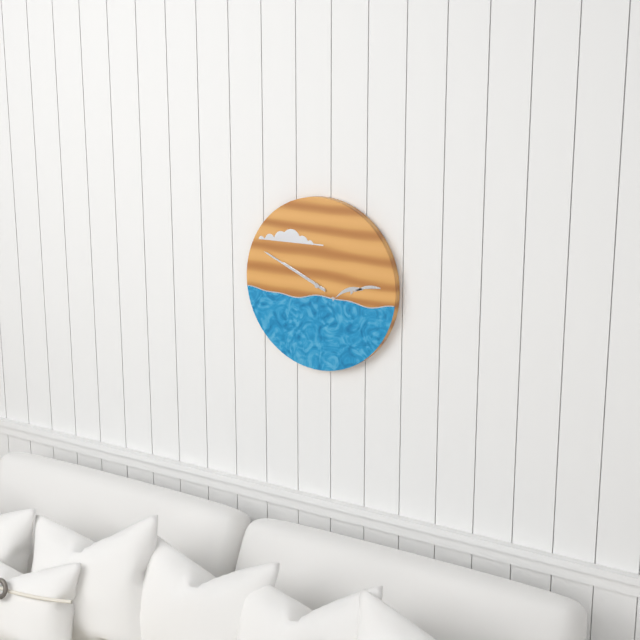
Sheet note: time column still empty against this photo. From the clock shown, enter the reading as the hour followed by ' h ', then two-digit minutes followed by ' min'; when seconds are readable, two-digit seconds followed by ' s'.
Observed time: 9 h 49 min
